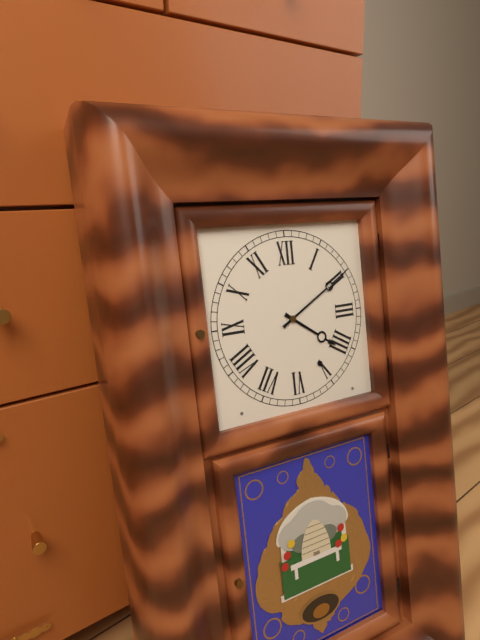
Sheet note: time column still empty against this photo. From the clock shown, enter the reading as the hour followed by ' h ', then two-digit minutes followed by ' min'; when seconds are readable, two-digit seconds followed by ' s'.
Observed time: 4 h 10 min
